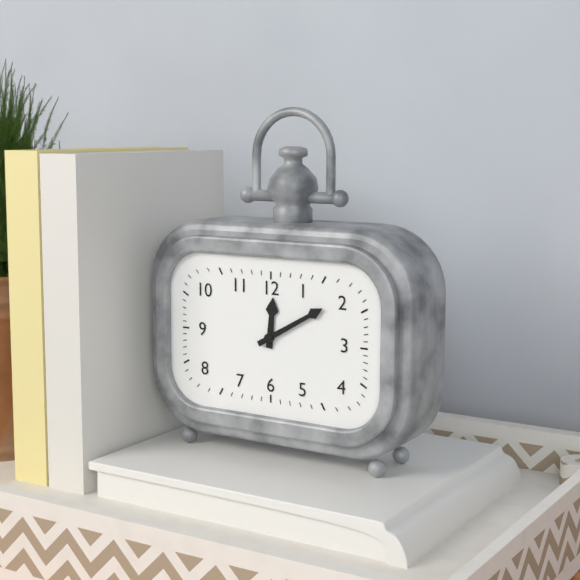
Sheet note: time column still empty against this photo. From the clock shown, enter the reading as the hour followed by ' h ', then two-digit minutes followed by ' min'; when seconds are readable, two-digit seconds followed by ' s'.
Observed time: 12 h 10 min
